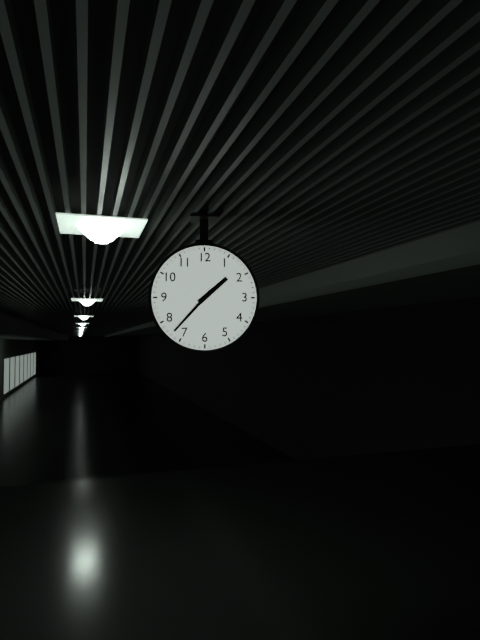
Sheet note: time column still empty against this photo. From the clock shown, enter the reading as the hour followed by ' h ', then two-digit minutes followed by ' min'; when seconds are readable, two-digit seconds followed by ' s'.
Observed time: 1 h 37 min
